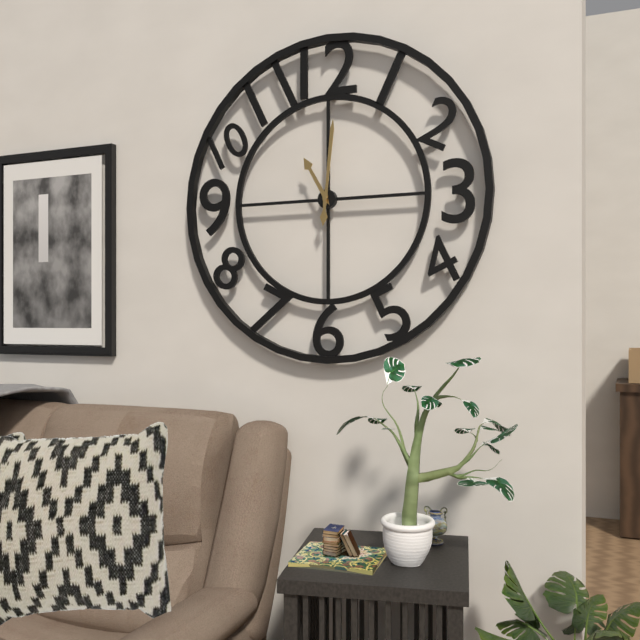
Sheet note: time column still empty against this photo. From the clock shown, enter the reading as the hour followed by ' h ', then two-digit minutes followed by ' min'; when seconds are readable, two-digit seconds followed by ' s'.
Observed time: 11 h 01 min
